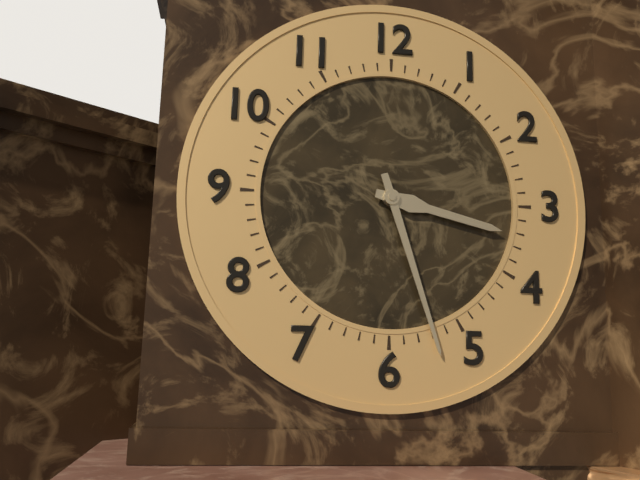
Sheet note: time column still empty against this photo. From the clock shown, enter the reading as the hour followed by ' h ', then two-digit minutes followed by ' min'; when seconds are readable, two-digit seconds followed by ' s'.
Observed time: 3 h 27 min
